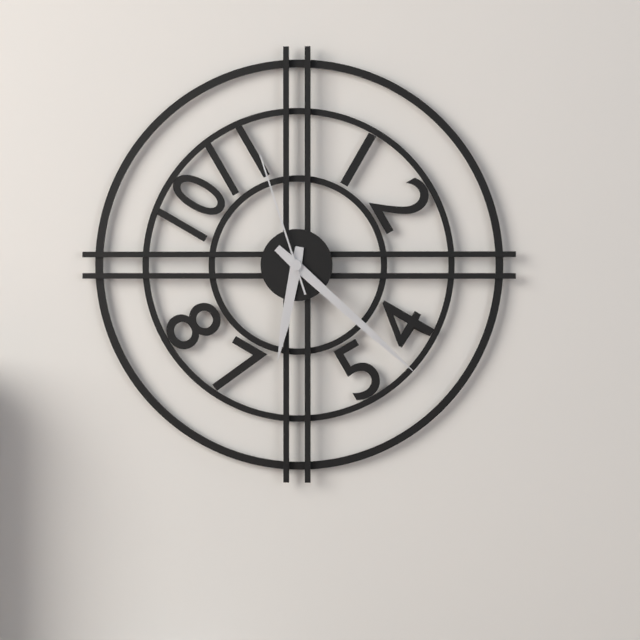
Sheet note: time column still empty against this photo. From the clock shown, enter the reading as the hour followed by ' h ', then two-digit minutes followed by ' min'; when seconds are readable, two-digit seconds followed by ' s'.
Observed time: 6 h 22 min 57 s
